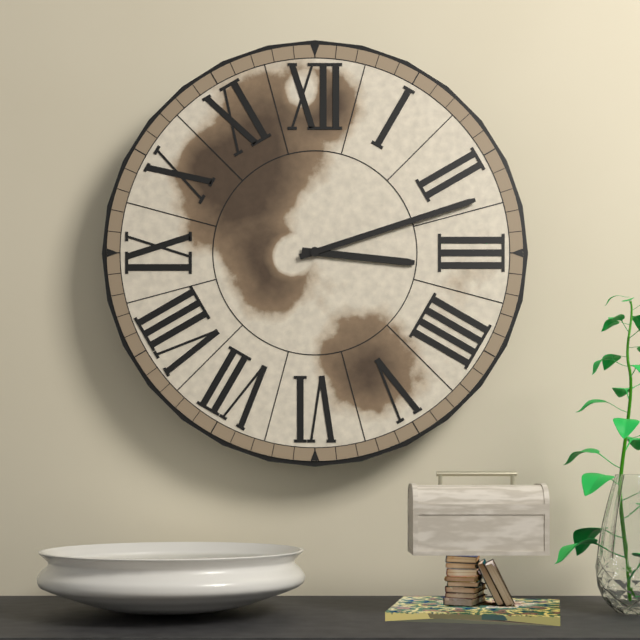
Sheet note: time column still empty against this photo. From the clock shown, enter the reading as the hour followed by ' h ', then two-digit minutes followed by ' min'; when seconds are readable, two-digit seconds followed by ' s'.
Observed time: 3 h 12 min
